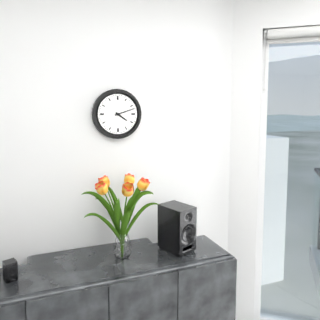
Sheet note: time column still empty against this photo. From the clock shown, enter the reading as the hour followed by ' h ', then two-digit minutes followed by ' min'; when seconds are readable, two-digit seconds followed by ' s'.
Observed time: 4 h 12 min
